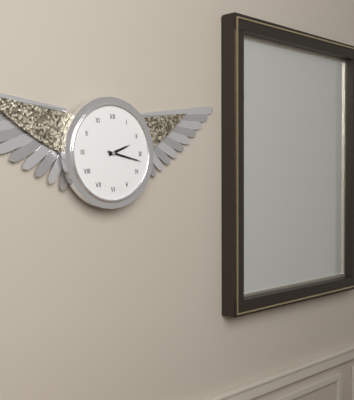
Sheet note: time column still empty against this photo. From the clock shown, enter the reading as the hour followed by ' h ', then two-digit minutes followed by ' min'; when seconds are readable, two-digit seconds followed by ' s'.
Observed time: 2 h 17 min
